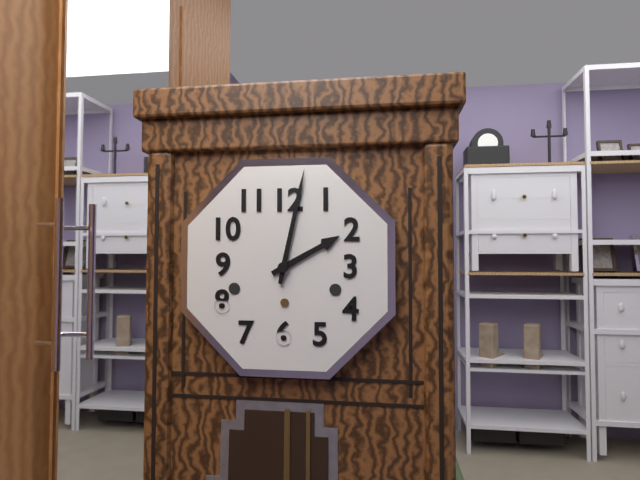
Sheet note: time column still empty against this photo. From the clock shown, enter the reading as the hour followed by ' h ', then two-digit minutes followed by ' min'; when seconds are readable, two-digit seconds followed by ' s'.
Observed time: 2 h 02 min
